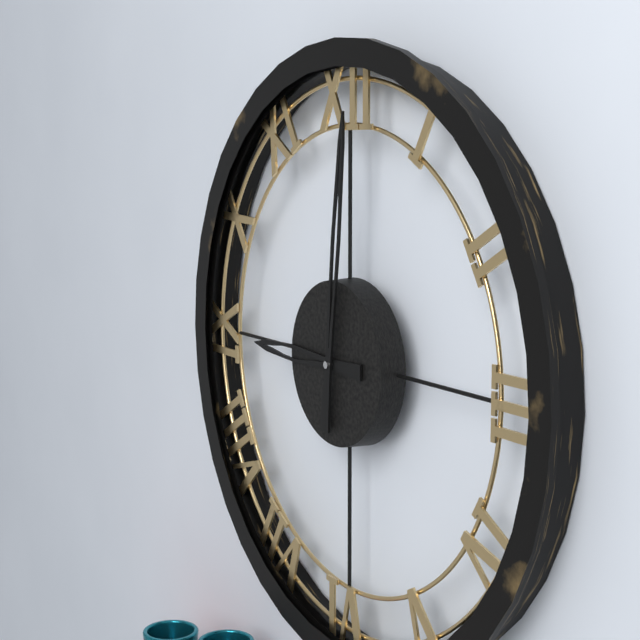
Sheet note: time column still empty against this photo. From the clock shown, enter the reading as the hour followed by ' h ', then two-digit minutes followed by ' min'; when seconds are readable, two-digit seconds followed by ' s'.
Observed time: 9 h 01 min
